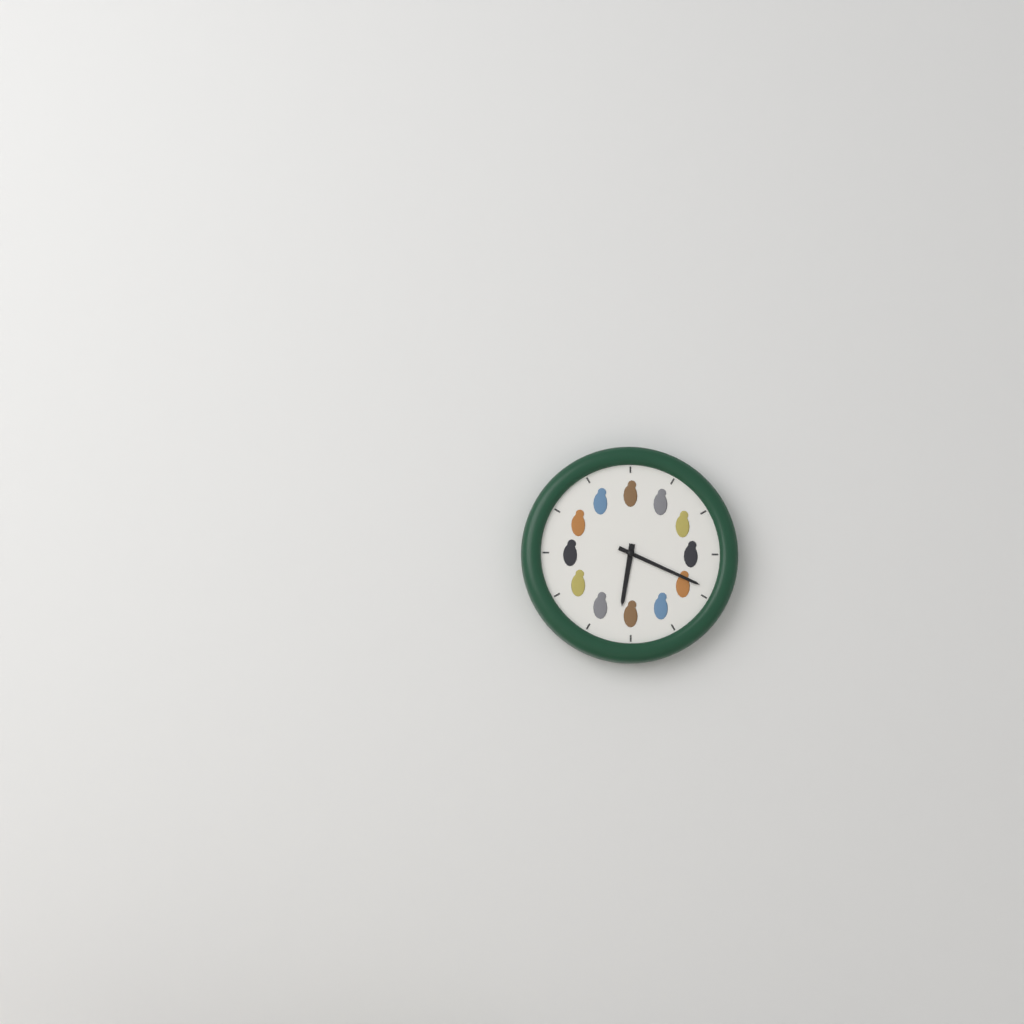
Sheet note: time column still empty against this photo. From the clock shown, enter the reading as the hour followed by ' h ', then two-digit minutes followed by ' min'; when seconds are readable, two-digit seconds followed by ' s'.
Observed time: 6 h 19 min
